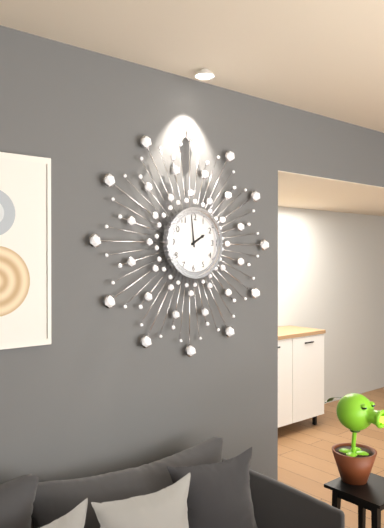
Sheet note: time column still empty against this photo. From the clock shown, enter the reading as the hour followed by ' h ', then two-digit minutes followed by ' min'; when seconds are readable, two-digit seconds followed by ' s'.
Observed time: 1 h 59 min
